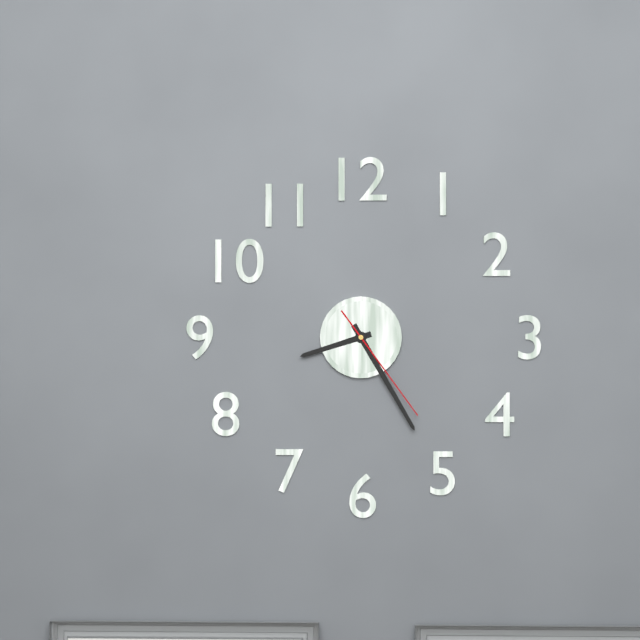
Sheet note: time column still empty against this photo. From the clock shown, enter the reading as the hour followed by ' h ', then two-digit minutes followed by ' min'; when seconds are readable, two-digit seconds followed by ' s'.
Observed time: 8 h 25 min 24 s
